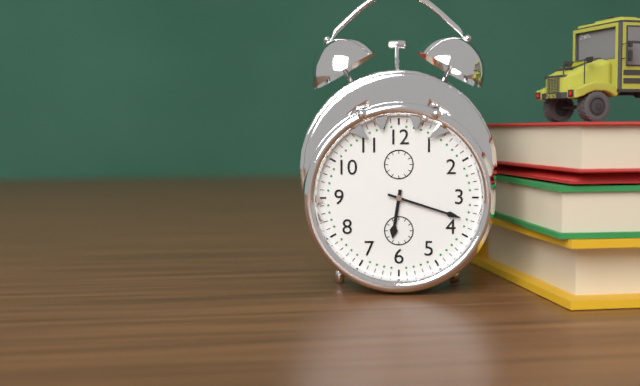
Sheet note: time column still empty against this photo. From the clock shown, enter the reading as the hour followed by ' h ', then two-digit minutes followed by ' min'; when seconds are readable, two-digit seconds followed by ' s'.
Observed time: 6 h 18 min
